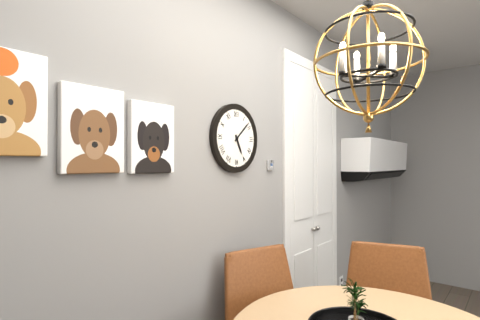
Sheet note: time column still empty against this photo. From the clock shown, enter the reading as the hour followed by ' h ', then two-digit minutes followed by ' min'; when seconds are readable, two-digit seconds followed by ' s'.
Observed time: 5 h 08 min
